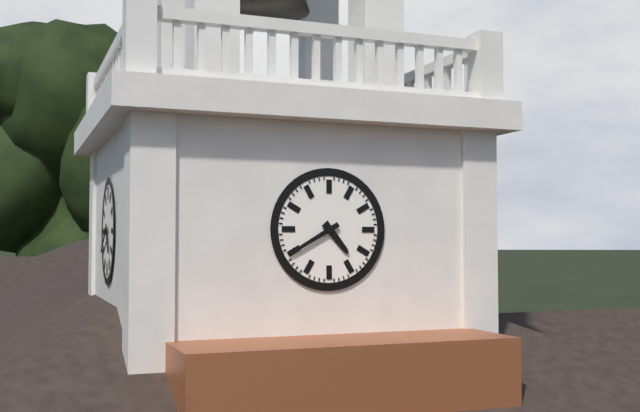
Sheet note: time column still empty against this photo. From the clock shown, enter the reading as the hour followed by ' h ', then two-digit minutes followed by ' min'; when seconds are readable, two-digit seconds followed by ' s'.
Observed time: 4 h 40 min
